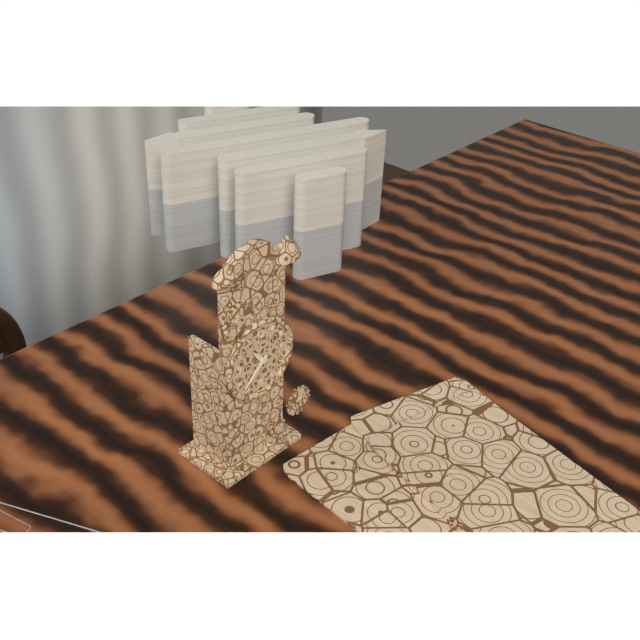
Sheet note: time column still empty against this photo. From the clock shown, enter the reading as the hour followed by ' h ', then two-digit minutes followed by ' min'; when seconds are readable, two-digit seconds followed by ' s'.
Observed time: 10 h 38 min
